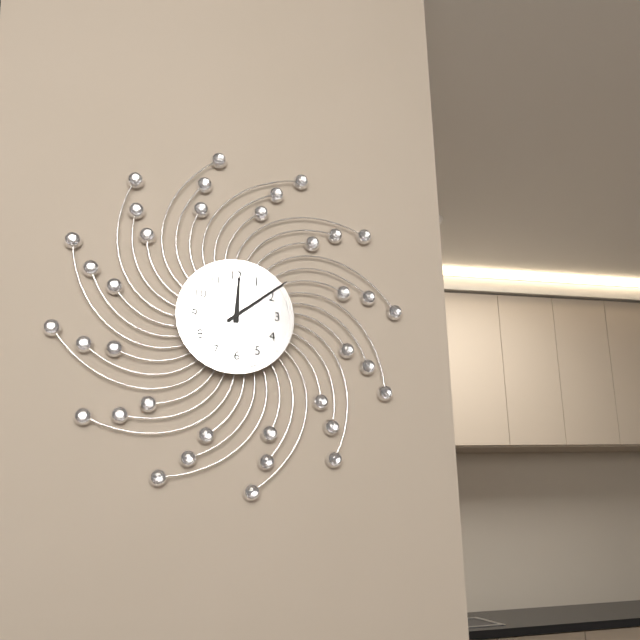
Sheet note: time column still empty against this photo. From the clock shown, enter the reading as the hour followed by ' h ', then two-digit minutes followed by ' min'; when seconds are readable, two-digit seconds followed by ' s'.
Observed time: 12 h 09 min
